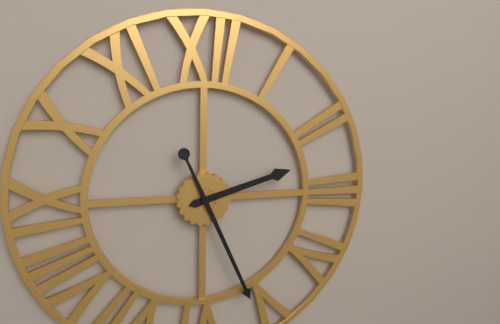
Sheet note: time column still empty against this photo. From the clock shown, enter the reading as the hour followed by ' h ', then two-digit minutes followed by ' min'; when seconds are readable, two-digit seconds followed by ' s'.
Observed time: 2 h 26 min
